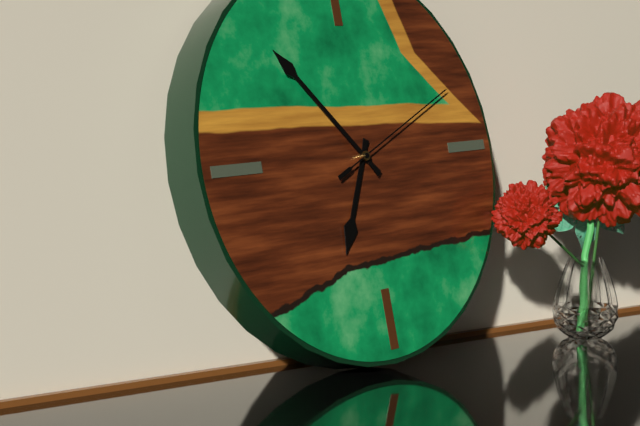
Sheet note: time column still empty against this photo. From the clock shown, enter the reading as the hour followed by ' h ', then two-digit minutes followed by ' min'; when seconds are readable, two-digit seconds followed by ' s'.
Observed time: 6 h 53 min 11 s
